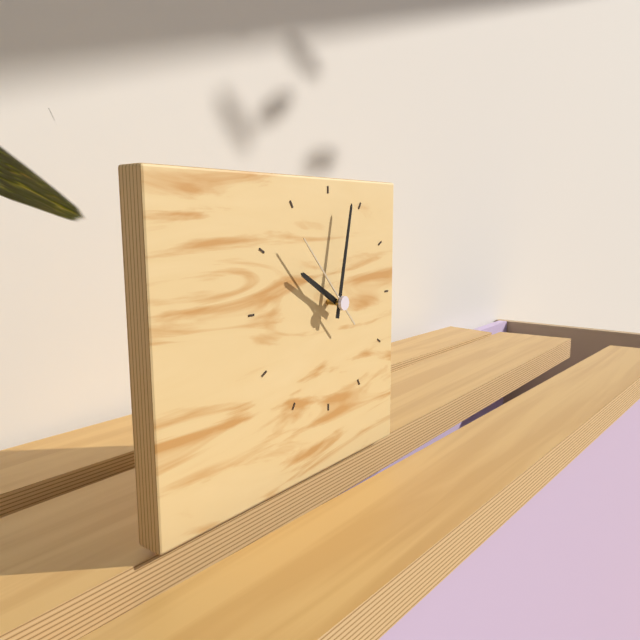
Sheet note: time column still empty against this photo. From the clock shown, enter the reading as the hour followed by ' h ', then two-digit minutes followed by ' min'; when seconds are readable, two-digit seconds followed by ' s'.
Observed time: 10 h 02 min 53 s
